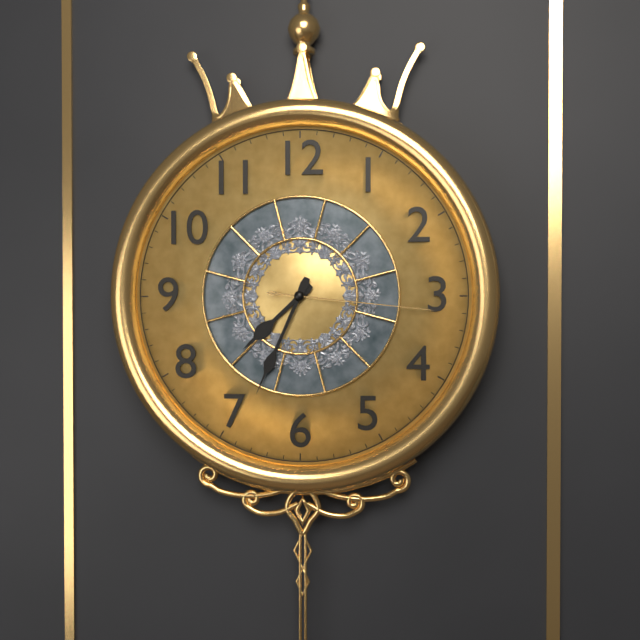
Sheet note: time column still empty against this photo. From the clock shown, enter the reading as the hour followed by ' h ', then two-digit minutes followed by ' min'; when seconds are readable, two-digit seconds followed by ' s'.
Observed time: 7 h 34 min 16 s
